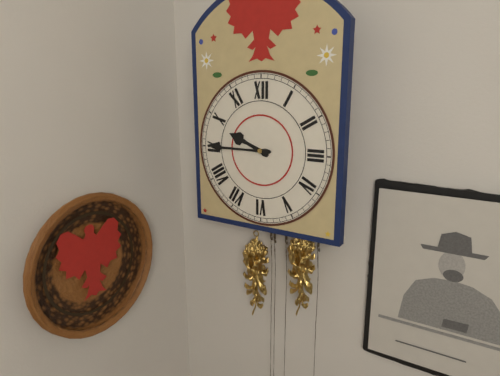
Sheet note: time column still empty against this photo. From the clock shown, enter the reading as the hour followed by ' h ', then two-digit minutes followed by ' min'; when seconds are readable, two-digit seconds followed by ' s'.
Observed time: 9 h 45 min
